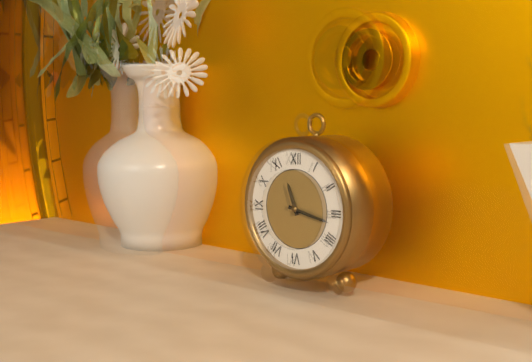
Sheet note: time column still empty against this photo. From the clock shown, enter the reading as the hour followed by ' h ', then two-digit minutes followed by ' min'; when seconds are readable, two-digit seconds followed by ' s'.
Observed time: 11 h 17 min
